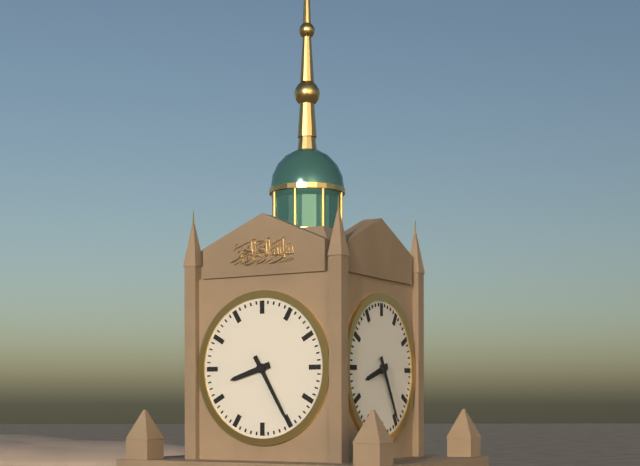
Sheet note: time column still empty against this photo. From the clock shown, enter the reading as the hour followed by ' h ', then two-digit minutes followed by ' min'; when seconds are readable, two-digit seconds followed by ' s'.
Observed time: 8 h 25 min
